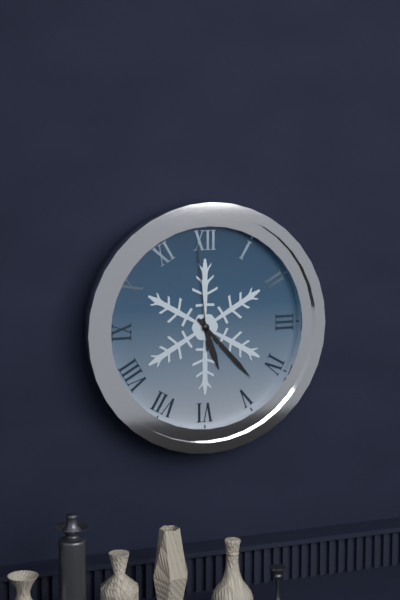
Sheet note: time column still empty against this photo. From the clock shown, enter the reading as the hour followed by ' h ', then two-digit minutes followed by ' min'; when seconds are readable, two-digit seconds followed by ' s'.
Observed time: 5 h 23 min 59 s
